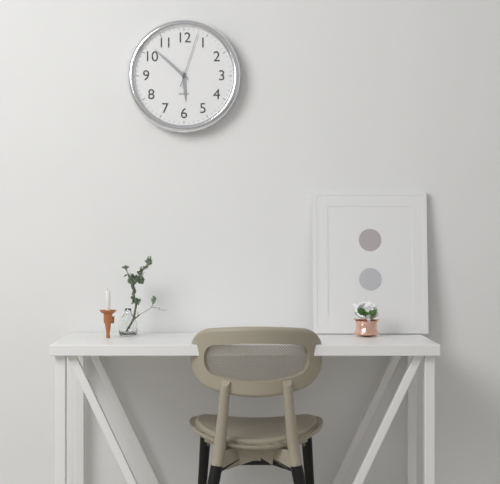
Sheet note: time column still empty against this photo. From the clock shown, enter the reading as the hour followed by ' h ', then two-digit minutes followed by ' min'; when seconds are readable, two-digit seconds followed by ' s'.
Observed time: 5 h 52 min 03 s
